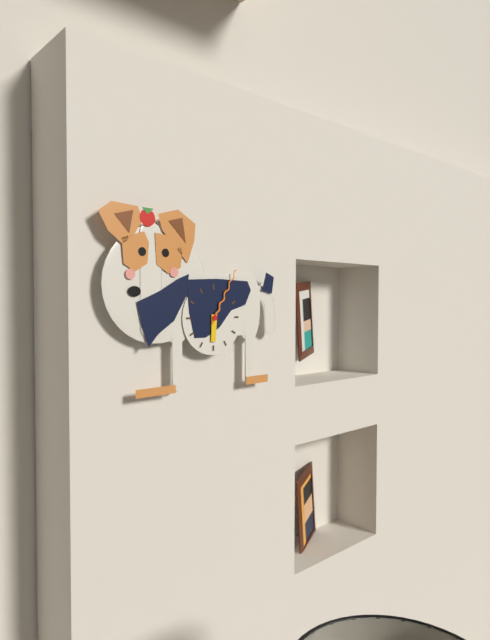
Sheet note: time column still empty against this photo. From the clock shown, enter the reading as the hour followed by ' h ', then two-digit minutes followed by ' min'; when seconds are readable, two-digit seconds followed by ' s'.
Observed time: 6 h 05 min
